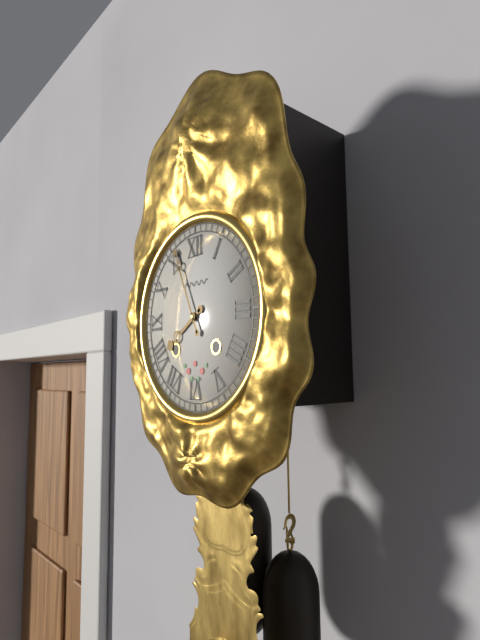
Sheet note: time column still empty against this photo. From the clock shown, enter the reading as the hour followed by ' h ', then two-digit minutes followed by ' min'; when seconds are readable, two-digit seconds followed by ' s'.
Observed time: 7 h 56 min
